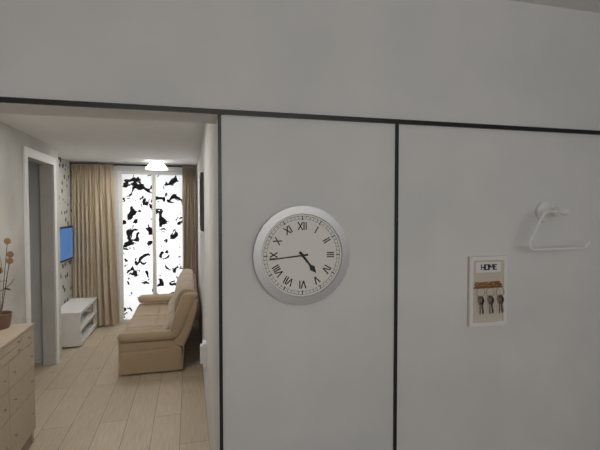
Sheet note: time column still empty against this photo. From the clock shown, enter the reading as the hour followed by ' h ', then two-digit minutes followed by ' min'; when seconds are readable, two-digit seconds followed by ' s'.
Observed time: 4 h 44 min
